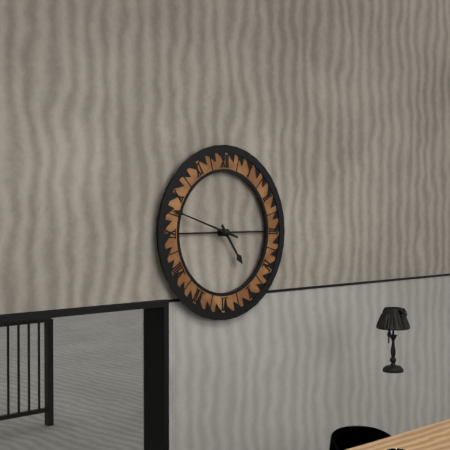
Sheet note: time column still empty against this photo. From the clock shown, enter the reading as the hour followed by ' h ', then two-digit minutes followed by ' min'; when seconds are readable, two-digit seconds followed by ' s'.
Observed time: 4 h 48 min
